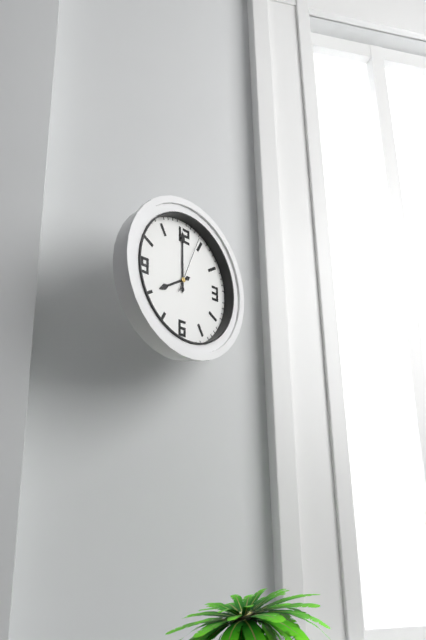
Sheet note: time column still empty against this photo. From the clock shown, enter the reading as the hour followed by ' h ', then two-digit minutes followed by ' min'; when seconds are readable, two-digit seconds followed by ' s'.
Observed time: 8 h 00 min 04 s
